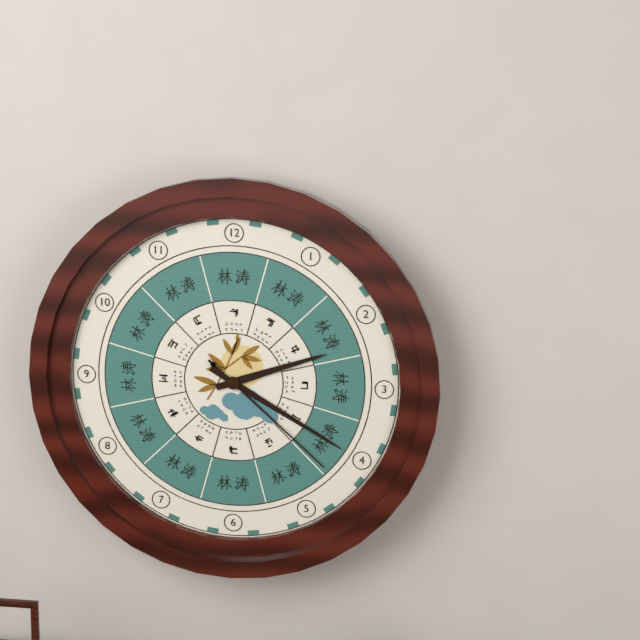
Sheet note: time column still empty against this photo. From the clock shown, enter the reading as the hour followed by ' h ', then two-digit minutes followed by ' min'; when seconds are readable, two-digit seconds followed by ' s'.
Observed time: 2 h 20 min 22 s
